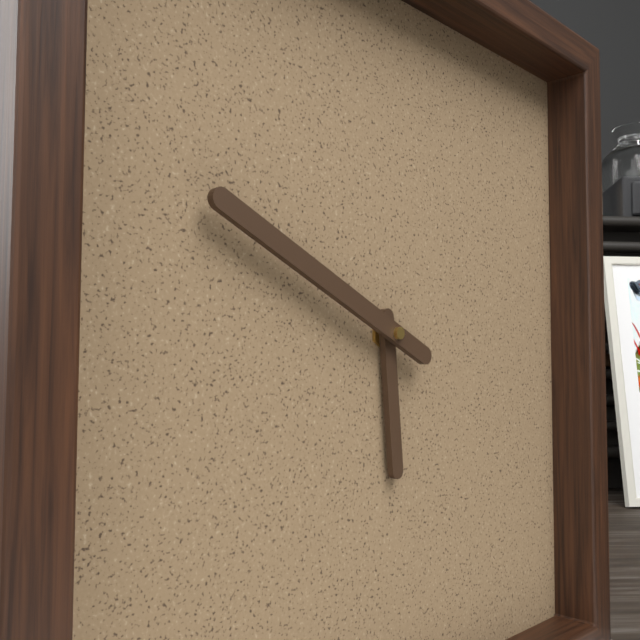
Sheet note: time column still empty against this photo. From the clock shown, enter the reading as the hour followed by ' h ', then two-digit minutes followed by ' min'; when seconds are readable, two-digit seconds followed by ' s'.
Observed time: 5 h 49 min
